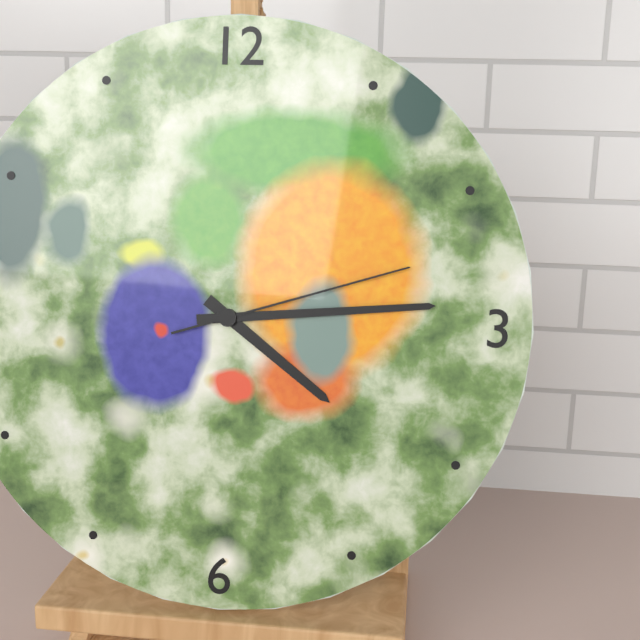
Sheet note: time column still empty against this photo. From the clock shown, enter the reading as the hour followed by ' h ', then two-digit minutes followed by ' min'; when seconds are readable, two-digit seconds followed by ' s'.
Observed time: 4 h 14 min 12 s
